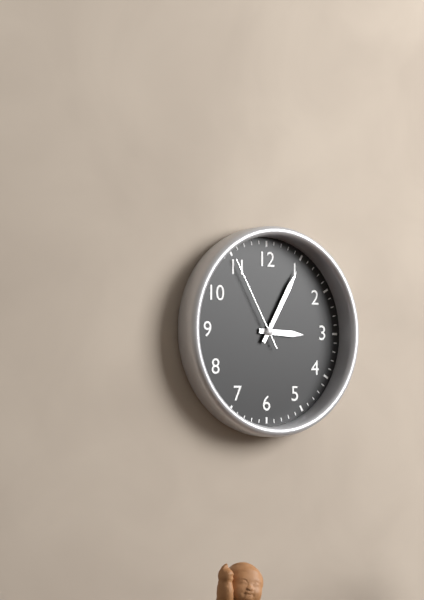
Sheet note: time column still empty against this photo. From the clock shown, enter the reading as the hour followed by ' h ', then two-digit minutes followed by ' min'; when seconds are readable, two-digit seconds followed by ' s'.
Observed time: 3 h 05 min 55 s
